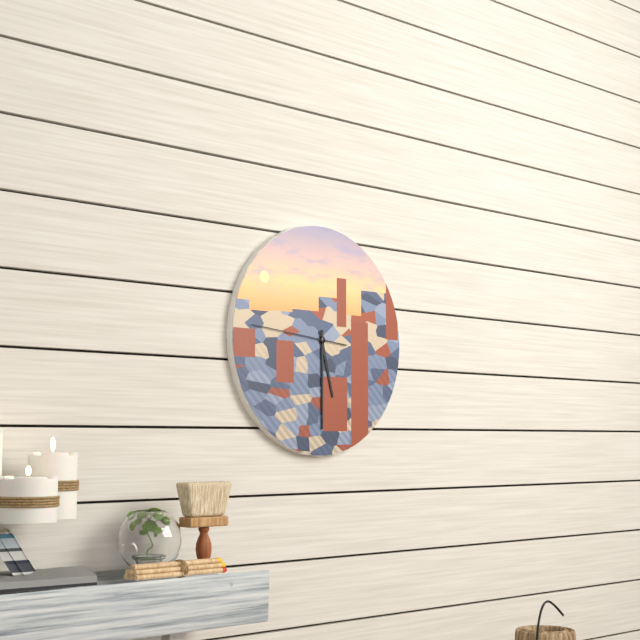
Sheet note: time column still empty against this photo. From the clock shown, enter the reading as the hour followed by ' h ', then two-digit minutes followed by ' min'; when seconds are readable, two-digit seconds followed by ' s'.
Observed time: 5 h 30 min 46 s
